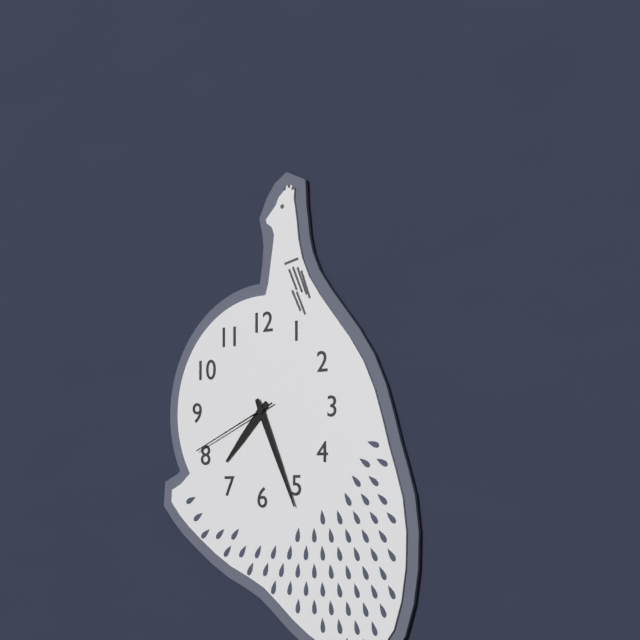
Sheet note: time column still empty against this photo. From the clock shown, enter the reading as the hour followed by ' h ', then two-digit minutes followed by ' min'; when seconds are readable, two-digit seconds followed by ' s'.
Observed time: 7 h 26 min 41 s
